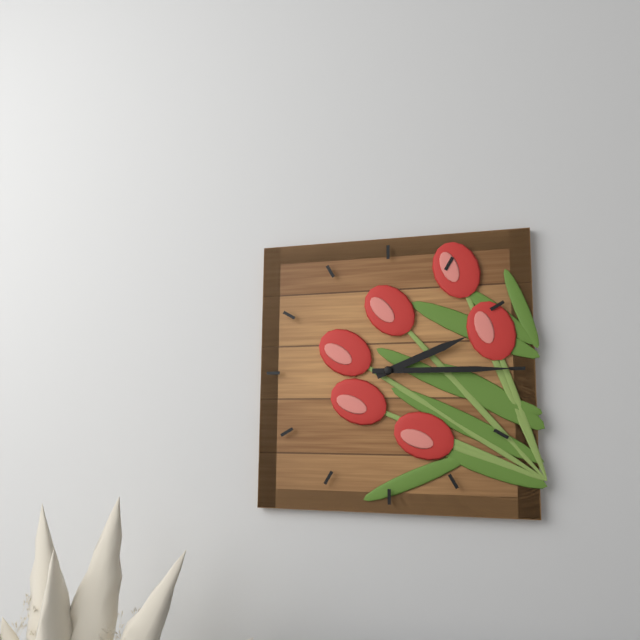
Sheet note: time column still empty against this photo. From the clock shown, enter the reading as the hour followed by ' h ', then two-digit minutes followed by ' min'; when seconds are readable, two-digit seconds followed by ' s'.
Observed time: 2 h 15 min
